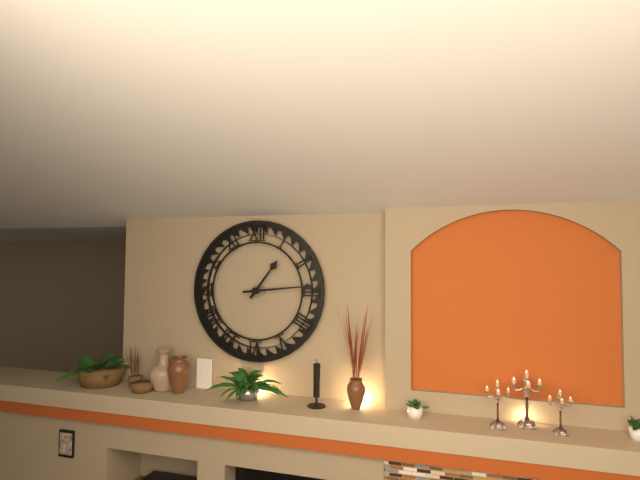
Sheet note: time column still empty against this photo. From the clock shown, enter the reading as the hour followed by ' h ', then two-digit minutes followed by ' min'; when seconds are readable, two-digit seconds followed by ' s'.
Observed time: 1 h 14 min
